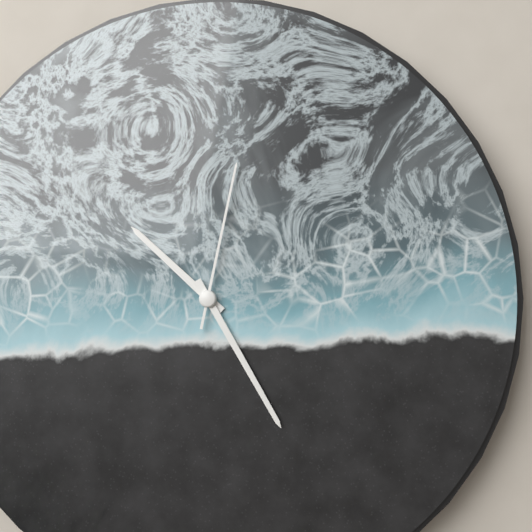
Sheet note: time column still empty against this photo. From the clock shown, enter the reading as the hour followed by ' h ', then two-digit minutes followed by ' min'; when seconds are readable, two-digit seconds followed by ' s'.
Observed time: 10 h 25 min 02 s
